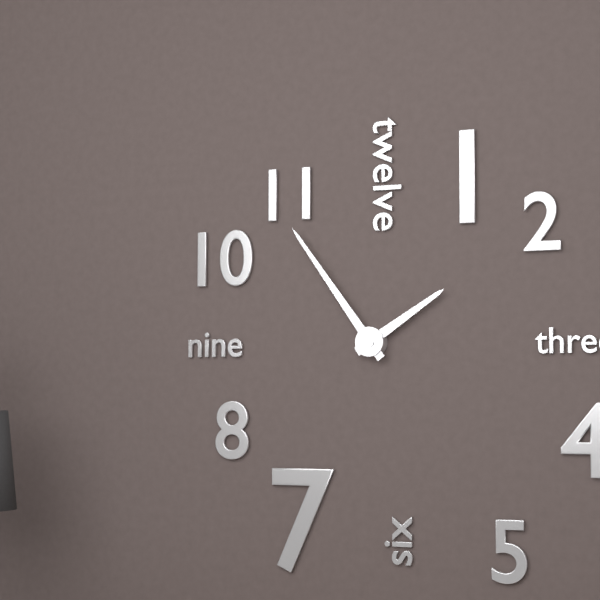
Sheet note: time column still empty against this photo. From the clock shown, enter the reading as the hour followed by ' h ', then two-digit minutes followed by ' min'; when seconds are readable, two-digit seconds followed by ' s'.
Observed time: 1 h 54 min
